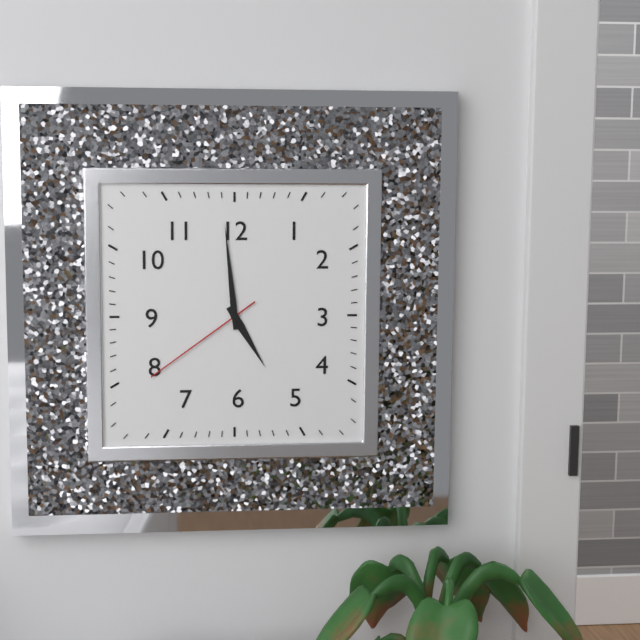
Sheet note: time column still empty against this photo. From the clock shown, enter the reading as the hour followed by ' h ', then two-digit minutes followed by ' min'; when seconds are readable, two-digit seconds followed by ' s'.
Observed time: 4 h 59 min 39 s
